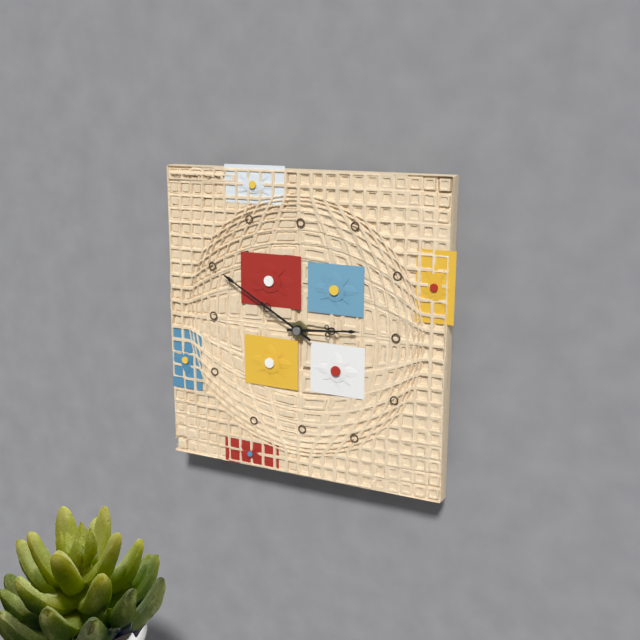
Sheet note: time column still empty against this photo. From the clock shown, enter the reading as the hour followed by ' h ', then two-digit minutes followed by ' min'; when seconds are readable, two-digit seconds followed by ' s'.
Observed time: 2 h 50 min
